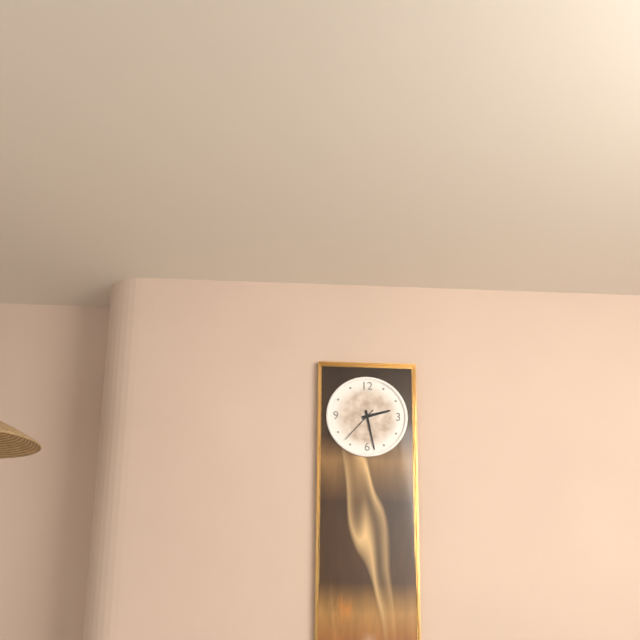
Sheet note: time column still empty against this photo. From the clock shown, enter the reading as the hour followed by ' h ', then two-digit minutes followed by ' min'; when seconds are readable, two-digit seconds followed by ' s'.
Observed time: 2 h 28 min
